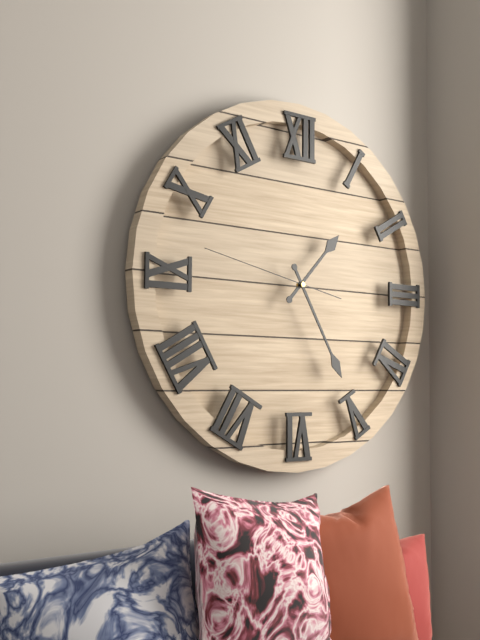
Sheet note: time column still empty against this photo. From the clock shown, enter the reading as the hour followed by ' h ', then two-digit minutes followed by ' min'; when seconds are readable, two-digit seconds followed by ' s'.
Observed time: 1 h 25 min 47 s
